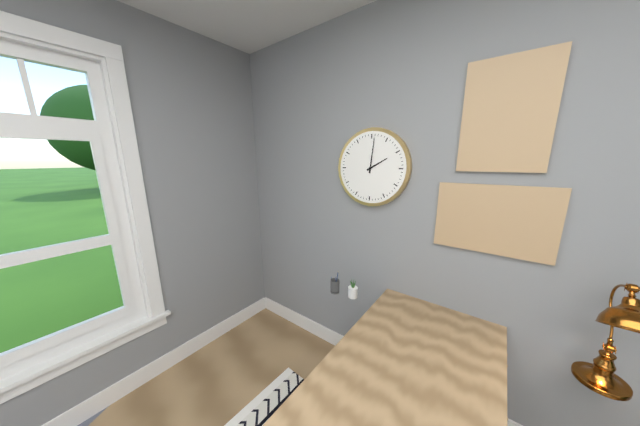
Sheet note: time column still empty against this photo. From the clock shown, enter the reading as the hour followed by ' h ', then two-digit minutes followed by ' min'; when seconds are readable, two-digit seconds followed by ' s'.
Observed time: 2 h 01 min
